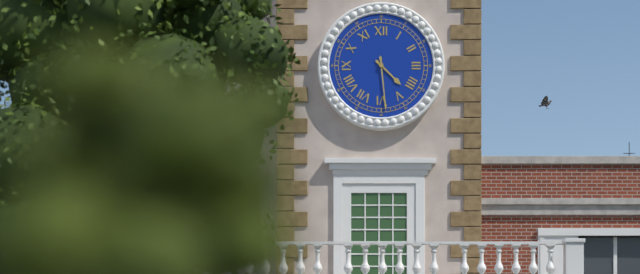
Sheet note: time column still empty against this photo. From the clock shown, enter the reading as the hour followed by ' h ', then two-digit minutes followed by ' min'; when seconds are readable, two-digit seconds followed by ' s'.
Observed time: 4 h 29 min
